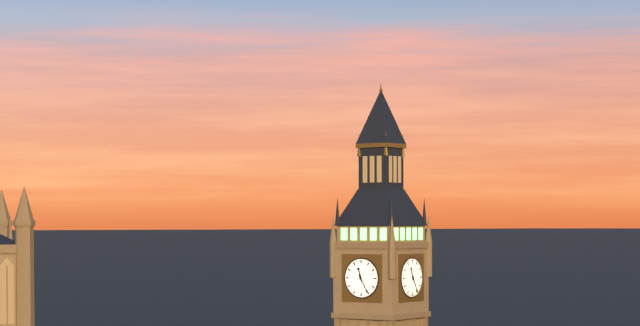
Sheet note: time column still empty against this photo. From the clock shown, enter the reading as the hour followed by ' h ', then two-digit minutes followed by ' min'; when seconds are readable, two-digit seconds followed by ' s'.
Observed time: 11 h 25 min
